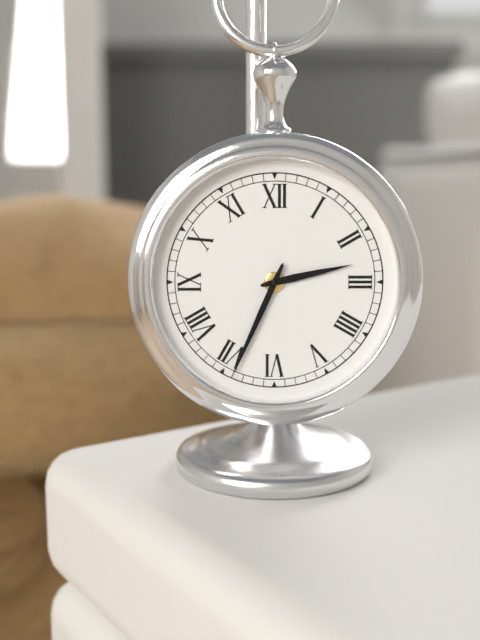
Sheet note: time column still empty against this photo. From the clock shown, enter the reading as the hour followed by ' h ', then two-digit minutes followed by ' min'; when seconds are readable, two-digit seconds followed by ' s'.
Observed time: 2 h 34 min
